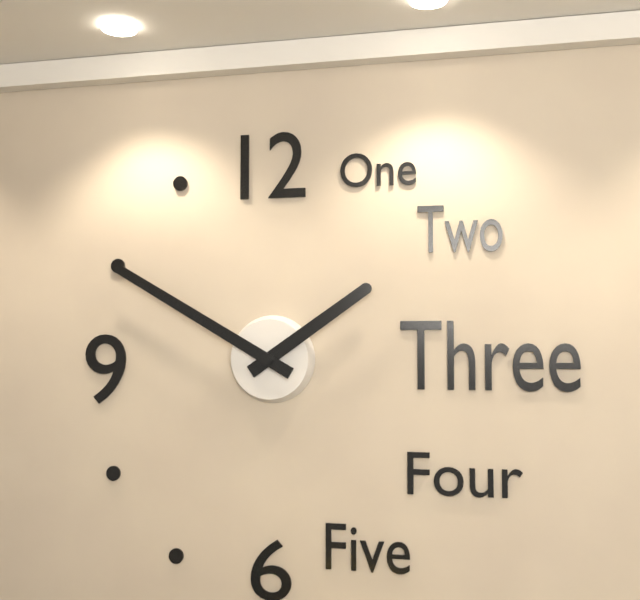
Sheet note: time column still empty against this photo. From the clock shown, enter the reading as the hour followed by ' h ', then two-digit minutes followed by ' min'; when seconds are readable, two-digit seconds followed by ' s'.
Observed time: 1 h 50 min
